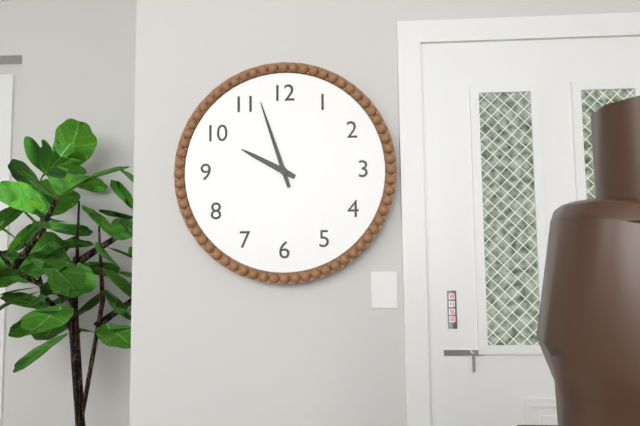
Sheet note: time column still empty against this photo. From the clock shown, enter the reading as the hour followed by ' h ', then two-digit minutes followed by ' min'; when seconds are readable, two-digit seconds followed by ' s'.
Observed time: 9 h 57 min
